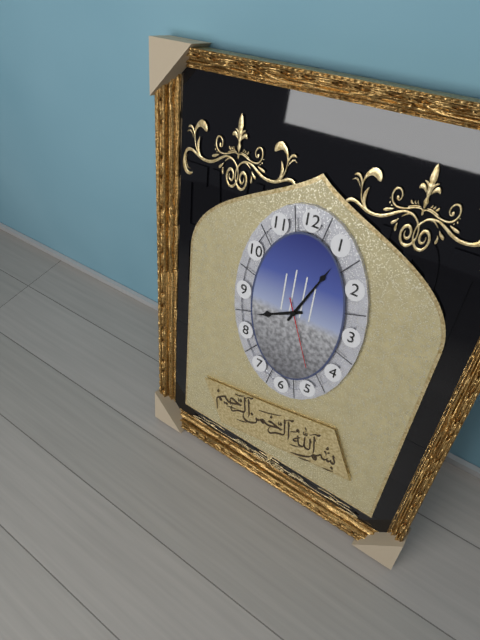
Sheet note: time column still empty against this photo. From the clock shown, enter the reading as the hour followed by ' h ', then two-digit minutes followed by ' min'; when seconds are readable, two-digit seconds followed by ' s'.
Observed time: 8 h 04 min 26 s
